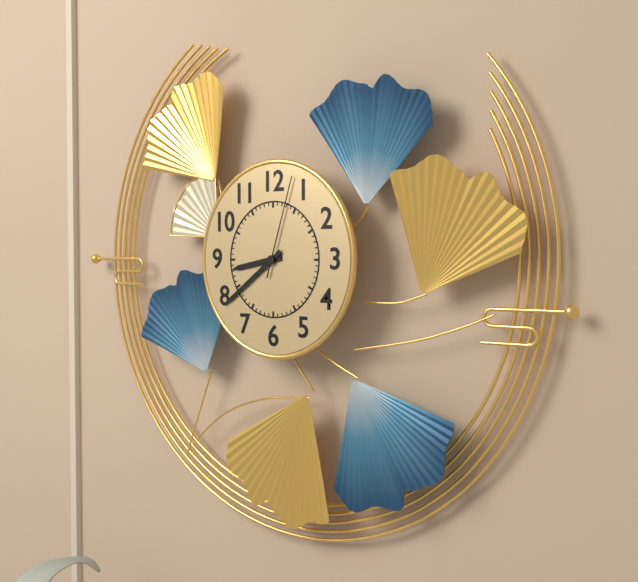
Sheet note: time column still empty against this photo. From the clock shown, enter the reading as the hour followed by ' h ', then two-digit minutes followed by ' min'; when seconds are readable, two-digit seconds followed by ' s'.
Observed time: 8 h 39 min 03 s
